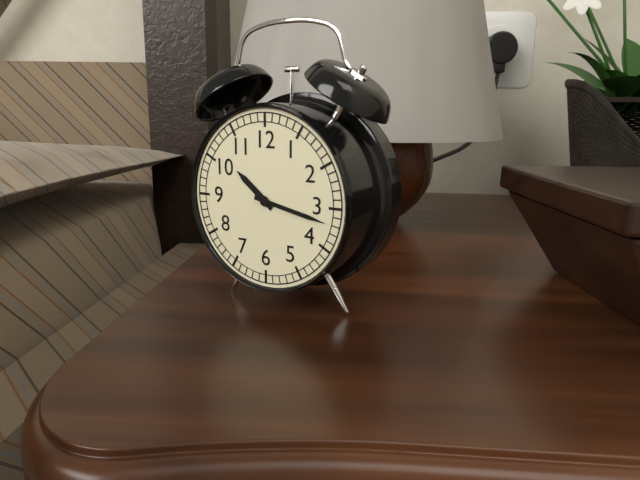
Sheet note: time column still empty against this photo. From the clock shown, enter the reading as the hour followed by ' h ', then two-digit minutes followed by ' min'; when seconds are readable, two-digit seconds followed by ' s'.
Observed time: 10 h 17 min
